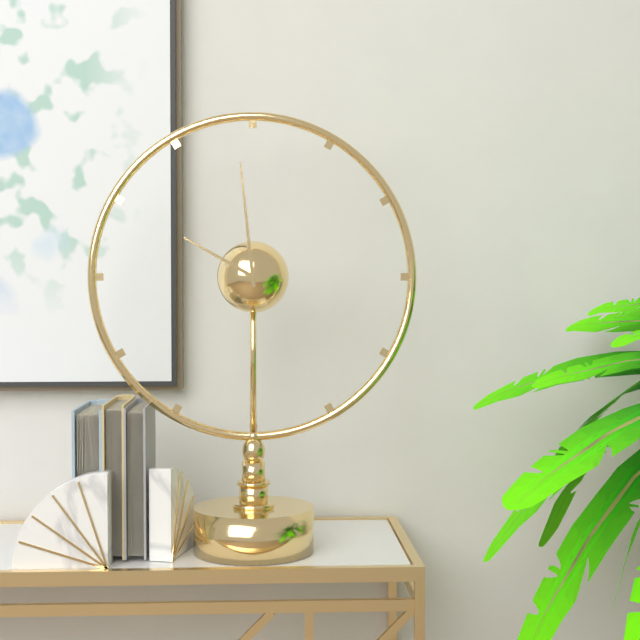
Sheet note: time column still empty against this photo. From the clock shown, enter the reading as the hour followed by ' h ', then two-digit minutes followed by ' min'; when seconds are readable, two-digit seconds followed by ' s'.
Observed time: 9 h 59 min
